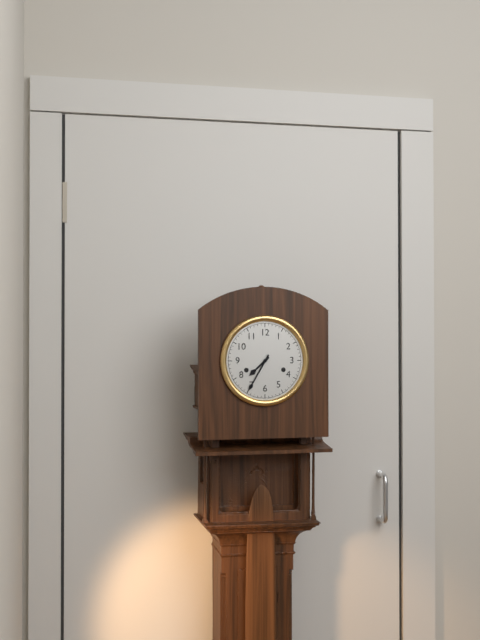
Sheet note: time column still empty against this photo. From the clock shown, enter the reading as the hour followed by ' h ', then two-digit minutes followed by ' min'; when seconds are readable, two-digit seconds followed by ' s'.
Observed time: 7 h 35 min
